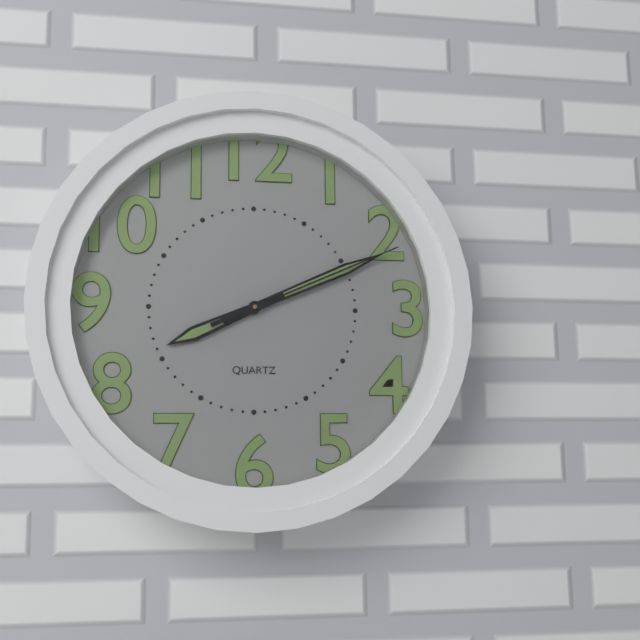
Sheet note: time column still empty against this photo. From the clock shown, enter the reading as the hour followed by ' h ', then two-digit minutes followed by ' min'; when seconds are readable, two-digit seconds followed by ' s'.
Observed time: 8 h 11 min 11 s
